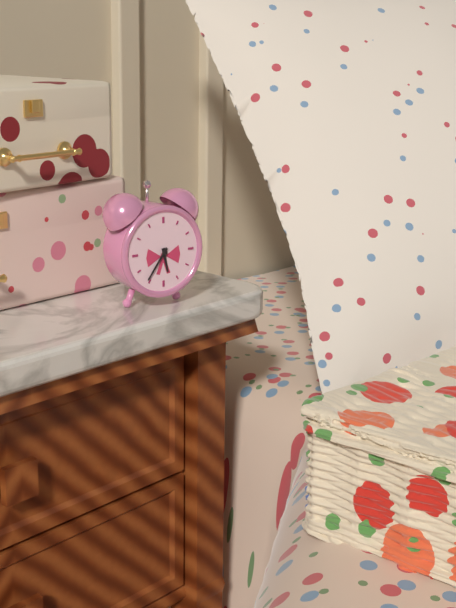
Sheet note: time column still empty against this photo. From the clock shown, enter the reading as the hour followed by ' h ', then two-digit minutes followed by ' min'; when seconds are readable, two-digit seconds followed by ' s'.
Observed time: 5 h 36 min
